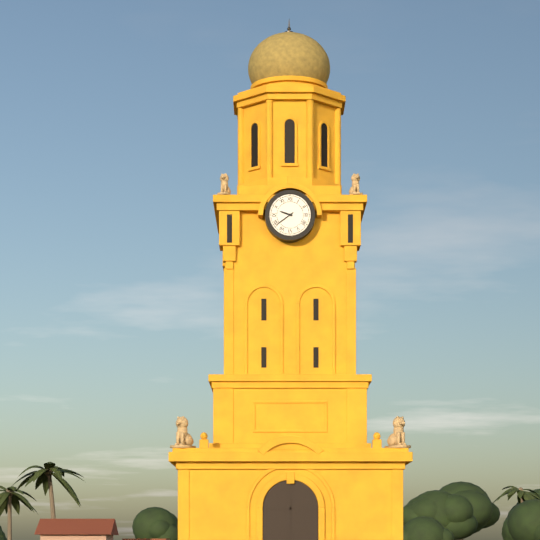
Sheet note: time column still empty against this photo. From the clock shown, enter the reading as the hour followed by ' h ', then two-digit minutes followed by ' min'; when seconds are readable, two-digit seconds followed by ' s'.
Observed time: 9 h 39 min
